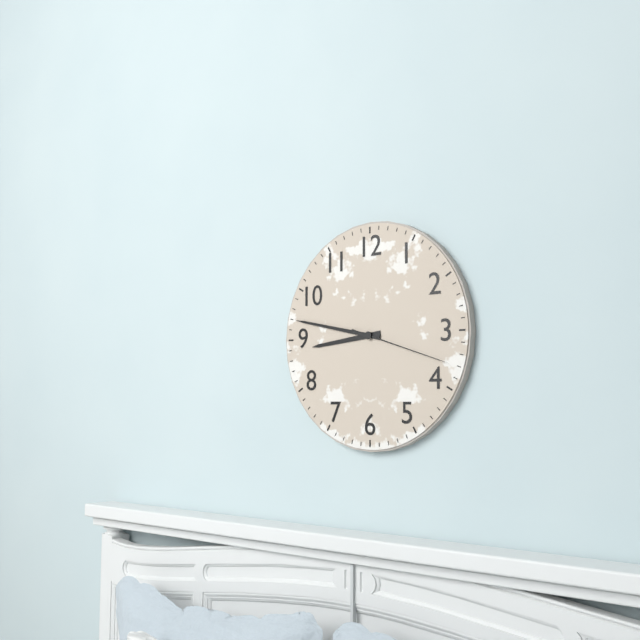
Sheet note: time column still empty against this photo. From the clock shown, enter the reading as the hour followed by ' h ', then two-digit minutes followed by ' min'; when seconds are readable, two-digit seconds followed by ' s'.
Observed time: 8 h 47 min 18 s
